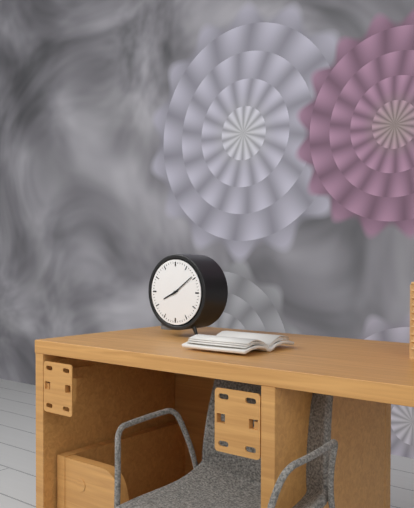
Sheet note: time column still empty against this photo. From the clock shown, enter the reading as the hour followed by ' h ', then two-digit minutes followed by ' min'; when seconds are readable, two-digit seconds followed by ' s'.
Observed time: 8 h 09 min
